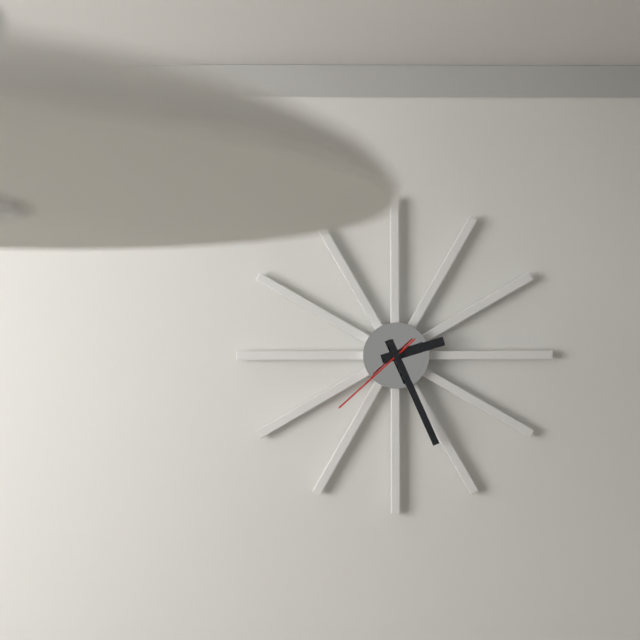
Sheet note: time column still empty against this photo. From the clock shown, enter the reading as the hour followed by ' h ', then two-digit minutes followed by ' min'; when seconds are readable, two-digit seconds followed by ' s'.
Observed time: 2 h 26 min 38 s
